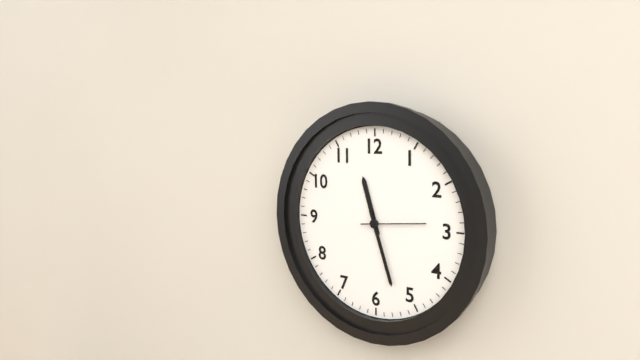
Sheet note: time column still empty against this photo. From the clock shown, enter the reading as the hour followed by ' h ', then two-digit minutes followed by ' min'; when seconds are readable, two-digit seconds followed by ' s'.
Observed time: 11 h 27 min 14 s
